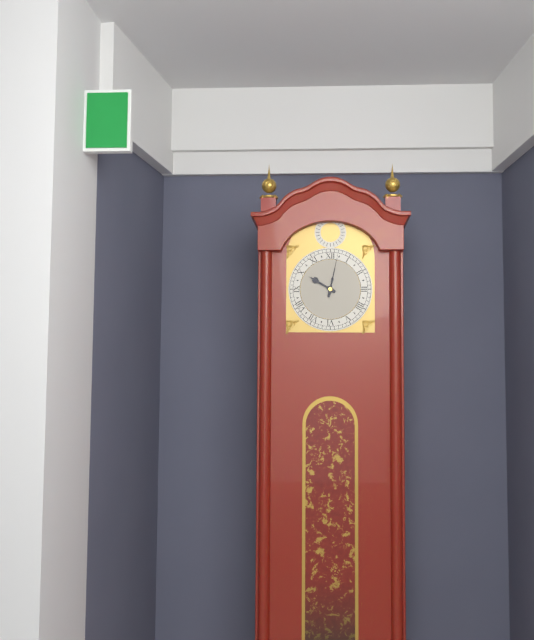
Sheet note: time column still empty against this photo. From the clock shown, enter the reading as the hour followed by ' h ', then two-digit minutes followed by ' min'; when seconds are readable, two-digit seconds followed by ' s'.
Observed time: 10 h 02 min
